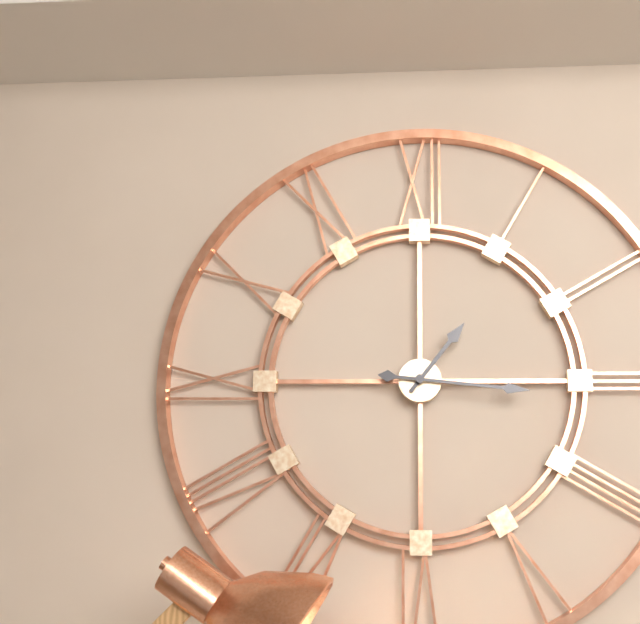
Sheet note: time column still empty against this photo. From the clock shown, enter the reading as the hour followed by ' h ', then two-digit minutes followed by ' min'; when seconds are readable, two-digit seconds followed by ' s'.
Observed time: 1 h 16 min
